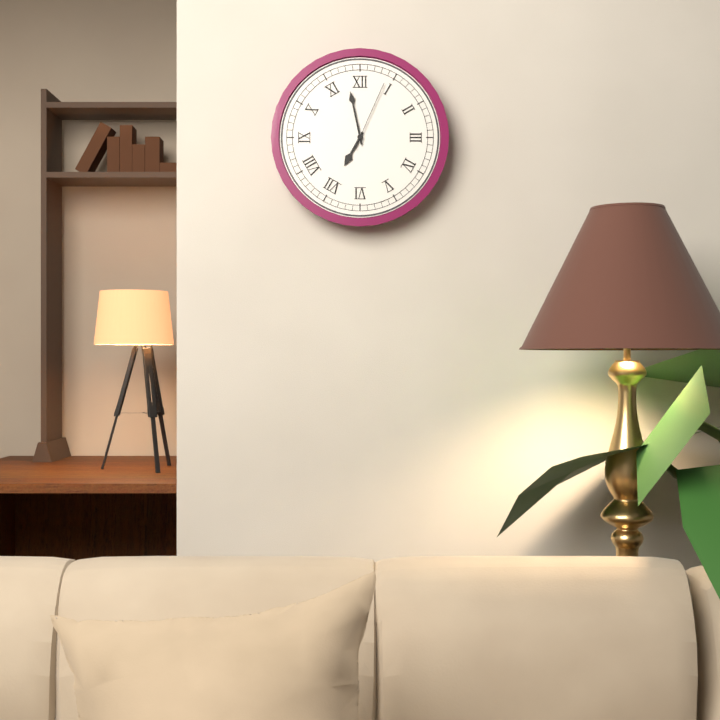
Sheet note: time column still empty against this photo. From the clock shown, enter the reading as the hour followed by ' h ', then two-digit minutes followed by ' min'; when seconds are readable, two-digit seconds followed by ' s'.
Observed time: 6 h 58 min 04 s
